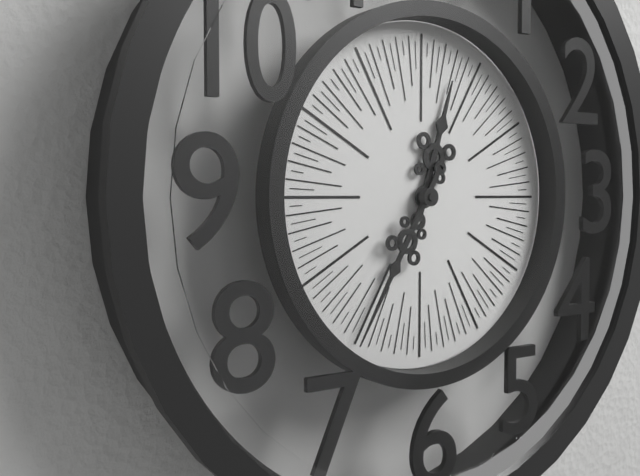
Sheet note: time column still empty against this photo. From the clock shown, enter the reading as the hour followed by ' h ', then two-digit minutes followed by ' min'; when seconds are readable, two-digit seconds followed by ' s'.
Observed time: 12 h 35 min
